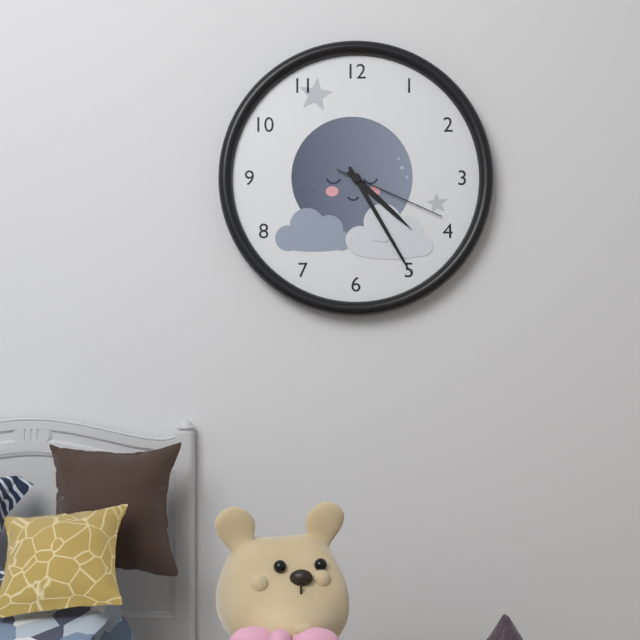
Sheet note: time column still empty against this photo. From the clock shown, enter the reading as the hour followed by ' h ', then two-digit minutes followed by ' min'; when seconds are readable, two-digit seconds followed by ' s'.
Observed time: 4 h 25 min 19 s
